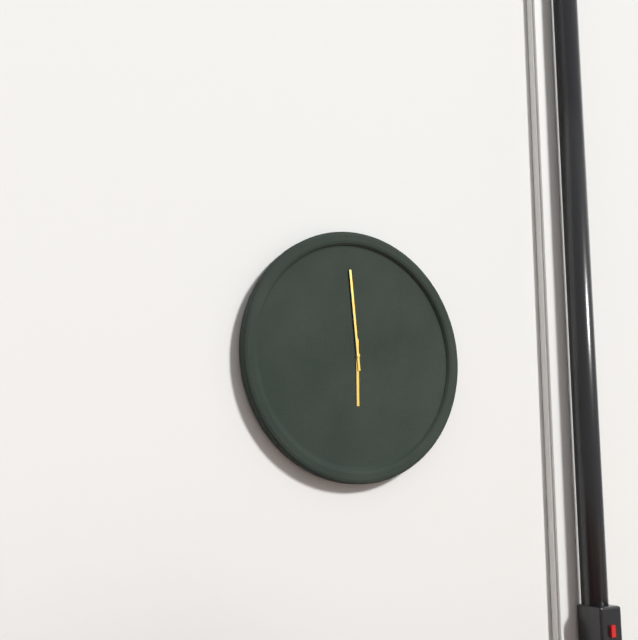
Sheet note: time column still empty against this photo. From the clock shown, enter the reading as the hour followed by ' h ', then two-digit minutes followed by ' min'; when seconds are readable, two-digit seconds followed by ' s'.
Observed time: 5 h 59 min
